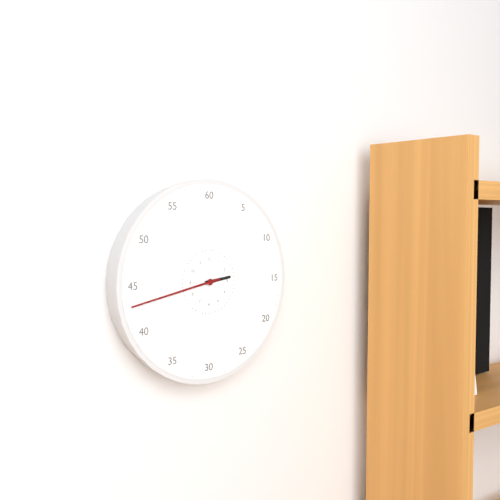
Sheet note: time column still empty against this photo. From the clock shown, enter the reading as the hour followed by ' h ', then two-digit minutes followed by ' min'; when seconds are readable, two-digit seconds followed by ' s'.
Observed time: 2 h 43 min
